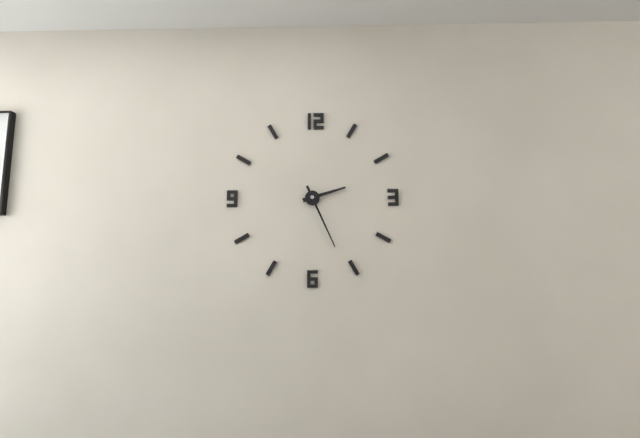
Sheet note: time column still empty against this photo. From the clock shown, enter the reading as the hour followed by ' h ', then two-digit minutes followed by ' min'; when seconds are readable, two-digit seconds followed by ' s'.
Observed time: 2 h 26 min
